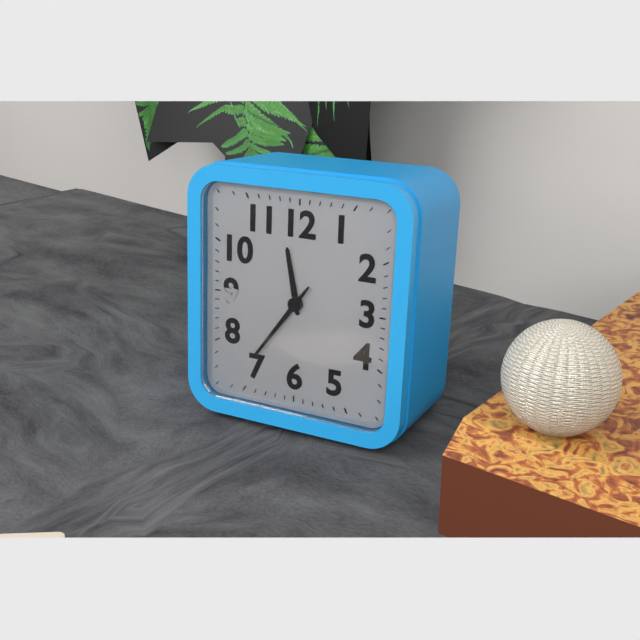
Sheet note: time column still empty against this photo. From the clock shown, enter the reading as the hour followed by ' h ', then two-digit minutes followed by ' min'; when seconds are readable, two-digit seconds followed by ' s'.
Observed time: 11 h 36 min
